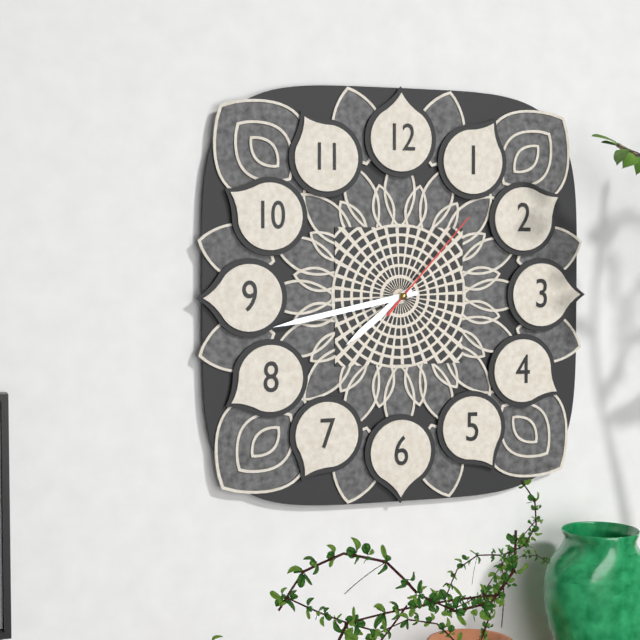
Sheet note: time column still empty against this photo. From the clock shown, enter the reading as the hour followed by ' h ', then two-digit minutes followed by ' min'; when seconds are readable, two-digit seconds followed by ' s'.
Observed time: 7 h 43 min 07 s
